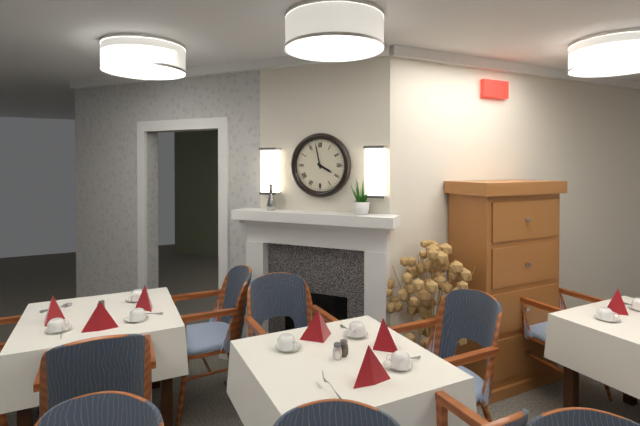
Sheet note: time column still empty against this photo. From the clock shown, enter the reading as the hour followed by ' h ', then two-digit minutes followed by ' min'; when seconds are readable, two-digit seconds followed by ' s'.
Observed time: 3 h 58 min
